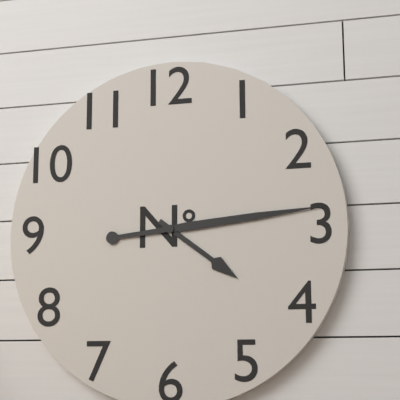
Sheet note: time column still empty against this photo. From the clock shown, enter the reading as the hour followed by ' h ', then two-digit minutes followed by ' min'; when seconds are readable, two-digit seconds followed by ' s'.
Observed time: 4 h 14 min
